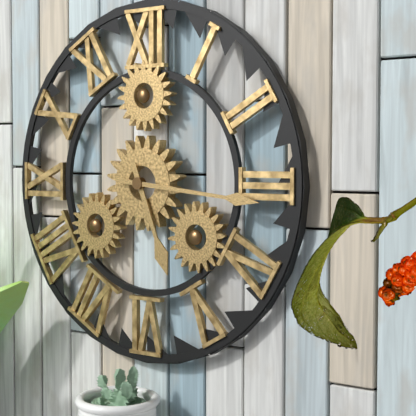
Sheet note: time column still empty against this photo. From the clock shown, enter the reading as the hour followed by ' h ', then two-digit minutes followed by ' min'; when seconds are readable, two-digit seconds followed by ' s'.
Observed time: 5 h 16 min
